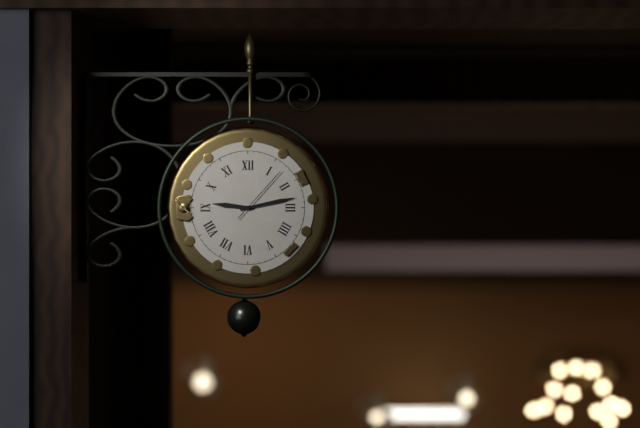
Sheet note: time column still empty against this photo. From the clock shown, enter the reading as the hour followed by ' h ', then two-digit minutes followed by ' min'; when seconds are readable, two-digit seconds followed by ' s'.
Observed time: 9 h 13 min 07 s
